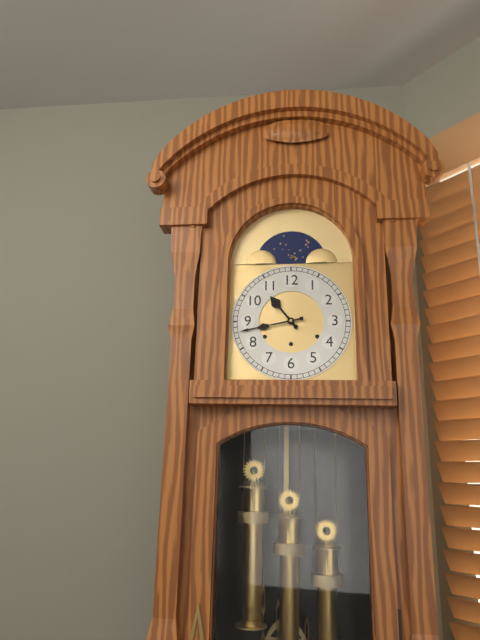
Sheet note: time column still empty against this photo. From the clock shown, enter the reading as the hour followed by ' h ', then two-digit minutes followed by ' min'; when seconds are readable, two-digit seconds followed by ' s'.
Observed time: 10 h 43 min
